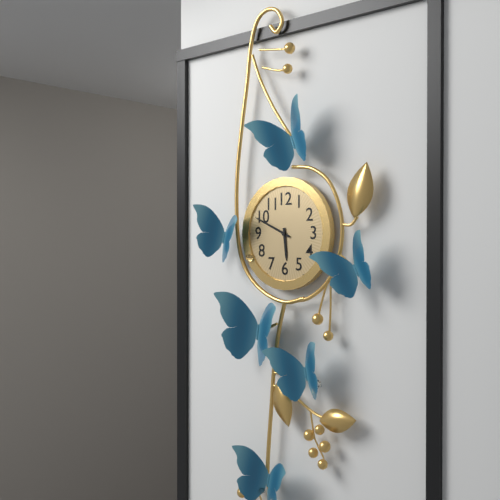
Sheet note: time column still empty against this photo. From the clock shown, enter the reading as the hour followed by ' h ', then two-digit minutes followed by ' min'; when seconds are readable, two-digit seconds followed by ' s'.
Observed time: 5 h 49 min
